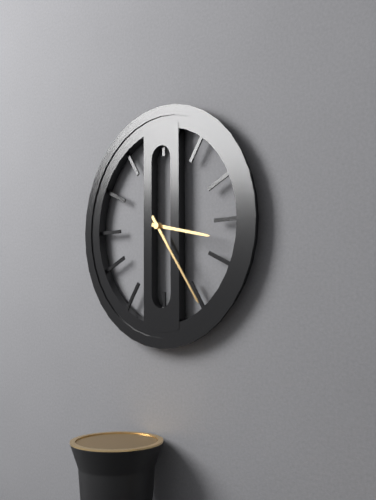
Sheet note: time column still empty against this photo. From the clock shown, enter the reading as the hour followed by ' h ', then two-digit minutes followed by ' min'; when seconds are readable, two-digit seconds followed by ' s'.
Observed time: 3 h 24 min
